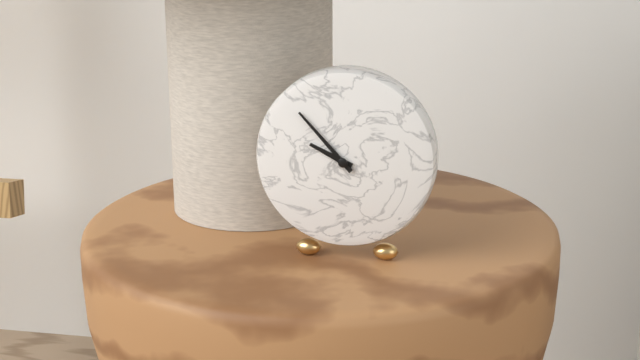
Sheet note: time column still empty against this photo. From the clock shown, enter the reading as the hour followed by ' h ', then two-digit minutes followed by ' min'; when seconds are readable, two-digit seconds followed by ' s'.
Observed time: 9 h 53 min
